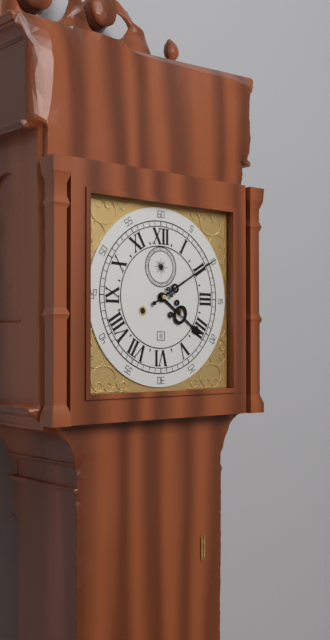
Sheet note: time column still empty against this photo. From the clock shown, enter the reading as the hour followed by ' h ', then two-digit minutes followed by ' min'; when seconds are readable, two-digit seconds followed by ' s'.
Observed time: 4 h 10 min
